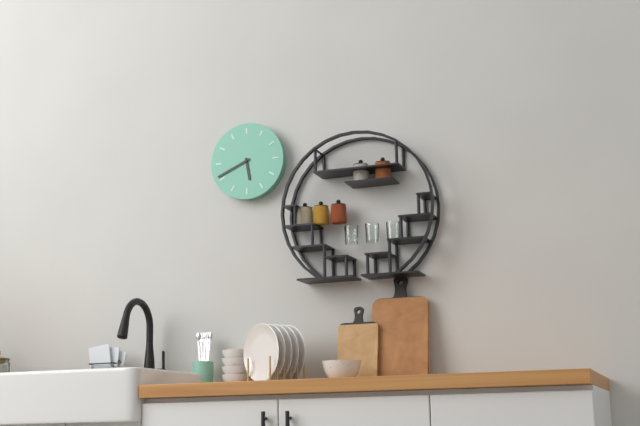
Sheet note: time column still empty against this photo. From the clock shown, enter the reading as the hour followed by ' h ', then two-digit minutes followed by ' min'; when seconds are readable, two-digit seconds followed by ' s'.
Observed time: 5 h 41 min
